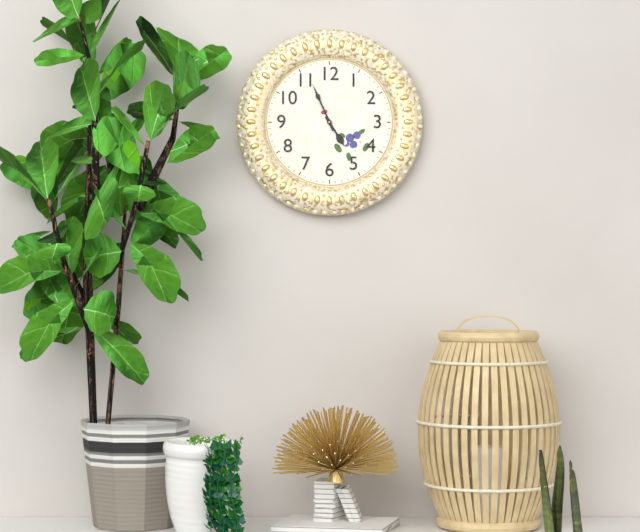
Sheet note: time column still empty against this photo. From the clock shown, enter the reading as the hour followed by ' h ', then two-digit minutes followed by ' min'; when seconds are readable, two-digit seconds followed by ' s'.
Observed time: 4 h 56 min
